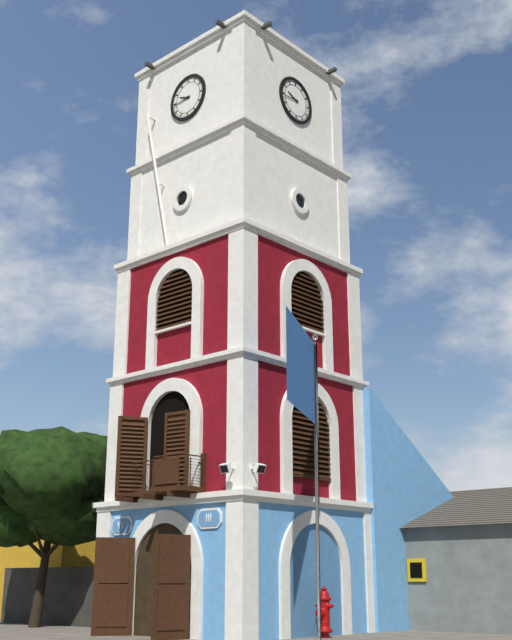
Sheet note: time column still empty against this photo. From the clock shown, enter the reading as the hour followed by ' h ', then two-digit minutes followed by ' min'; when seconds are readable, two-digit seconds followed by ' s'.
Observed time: 9 h 44 min
